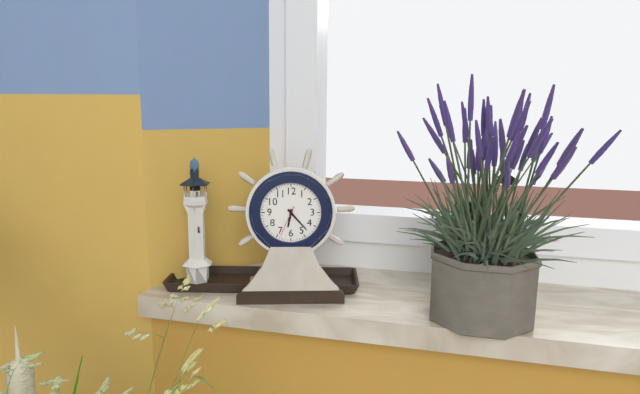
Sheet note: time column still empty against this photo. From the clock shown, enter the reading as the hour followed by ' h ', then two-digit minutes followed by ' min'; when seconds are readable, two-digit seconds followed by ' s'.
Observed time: 6 h 23 min
